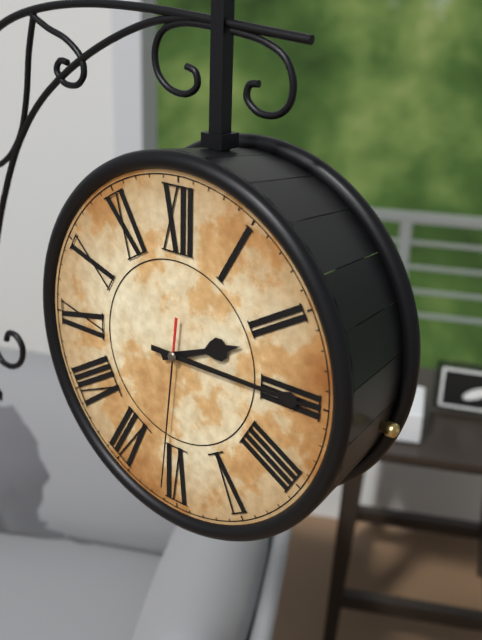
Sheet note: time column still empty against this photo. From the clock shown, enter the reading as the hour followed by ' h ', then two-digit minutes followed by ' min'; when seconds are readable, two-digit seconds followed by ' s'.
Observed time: 2 h 15 min 31 s
